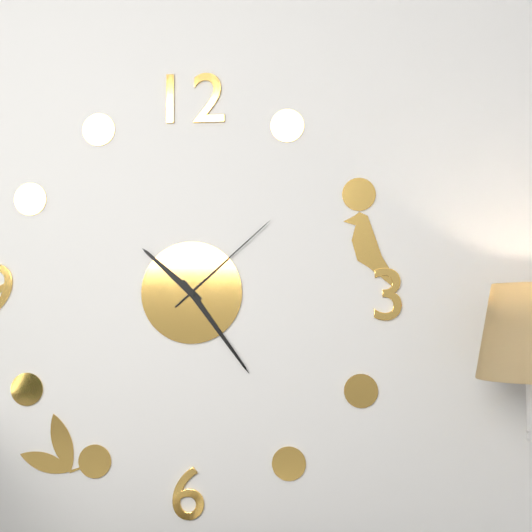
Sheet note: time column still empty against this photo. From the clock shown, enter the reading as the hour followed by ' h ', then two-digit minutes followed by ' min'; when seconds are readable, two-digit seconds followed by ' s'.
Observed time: 10 h 24 min 08 s
